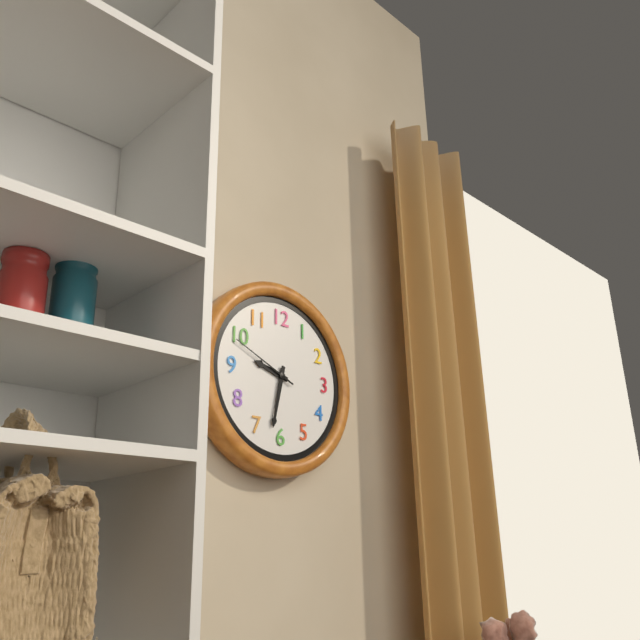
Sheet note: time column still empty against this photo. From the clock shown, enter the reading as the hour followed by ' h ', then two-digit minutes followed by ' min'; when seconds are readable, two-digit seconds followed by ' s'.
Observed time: 9 h 32 min 49 s
